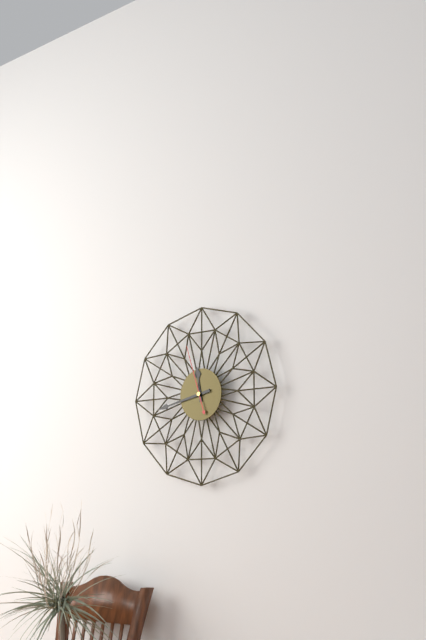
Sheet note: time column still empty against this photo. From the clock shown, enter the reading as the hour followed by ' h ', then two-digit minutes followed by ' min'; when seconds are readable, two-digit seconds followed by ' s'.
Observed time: 11 h 43 min 57 s
